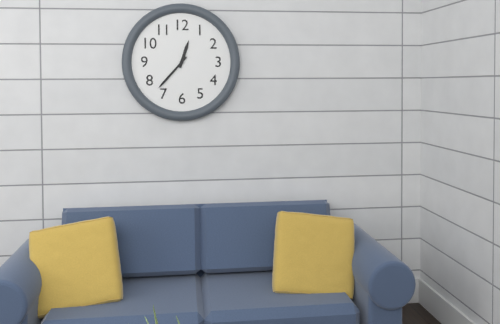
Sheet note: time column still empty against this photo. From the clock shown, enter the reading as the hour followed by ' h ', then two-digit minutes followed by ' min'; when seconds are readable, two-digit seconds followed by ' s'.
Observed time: 12 h 37 min
